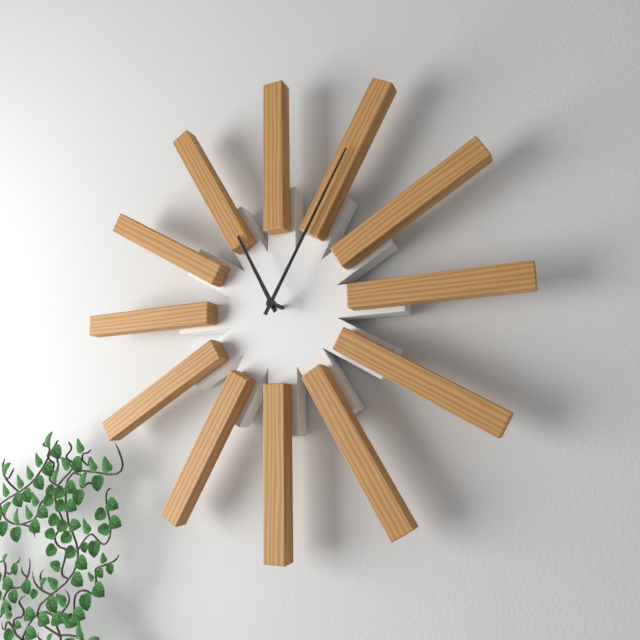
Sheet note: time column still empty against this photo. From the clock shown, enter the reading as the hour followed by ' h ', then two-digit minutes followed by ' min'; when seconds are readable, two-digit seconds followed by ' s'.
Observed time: 11 h 05 min
